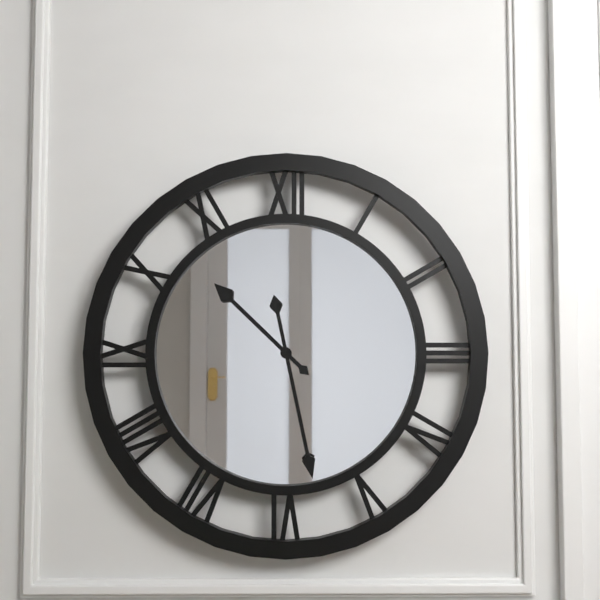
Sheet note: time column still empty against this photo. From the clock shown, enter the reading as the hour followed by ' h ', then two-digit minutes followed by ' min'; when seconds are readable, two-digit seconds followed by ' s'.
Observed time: 10 h 28 min
